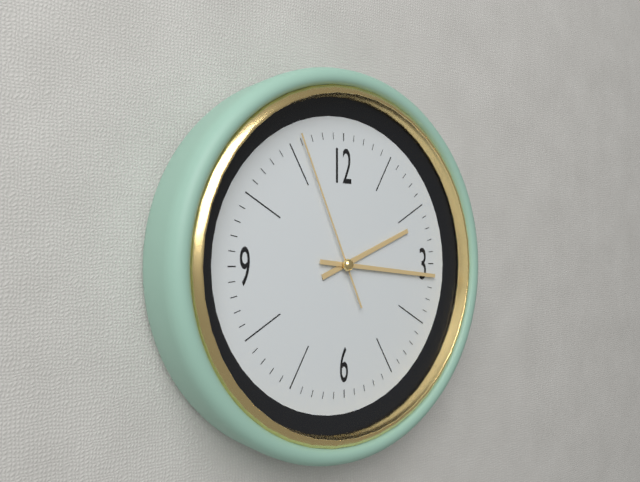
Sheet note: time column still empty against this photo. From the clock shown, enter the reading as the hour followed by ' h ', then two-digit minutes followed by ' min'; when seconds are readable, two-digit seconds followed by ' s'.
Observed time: 2 h 16 min 56 s
